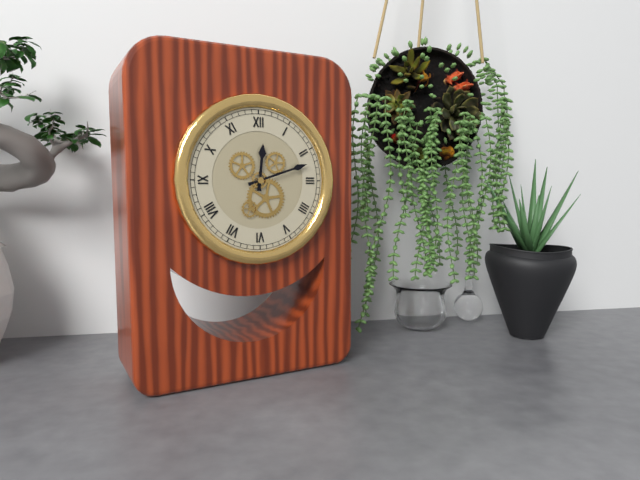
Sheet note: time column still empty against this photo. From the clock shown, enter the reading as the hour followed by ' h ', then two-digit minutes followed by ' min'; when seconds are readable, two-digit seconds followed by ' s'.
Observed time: 12 h 12 min
